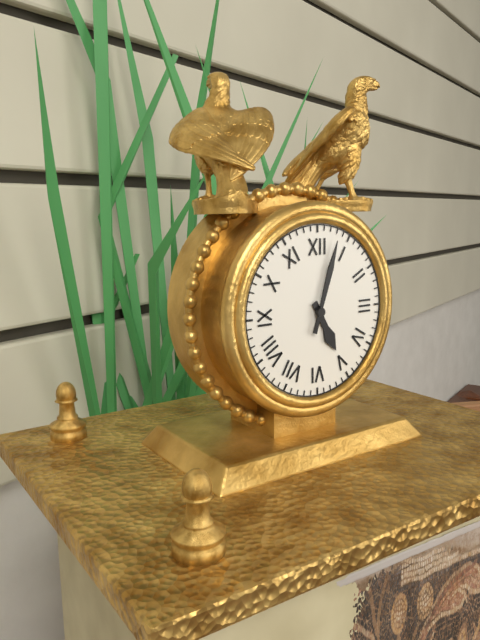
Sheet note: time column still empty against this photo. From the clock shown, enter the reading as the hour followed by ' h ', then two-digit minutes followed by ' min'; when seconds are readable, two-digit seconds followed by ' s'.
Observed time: 5 h 03 min
